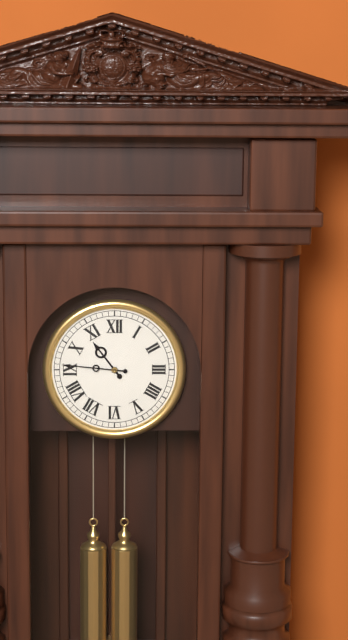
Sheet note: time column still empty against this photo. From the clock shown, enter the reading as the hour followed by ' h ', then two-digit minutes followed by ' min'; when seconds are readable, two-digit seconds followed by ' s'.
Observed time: 10 h 46 min
